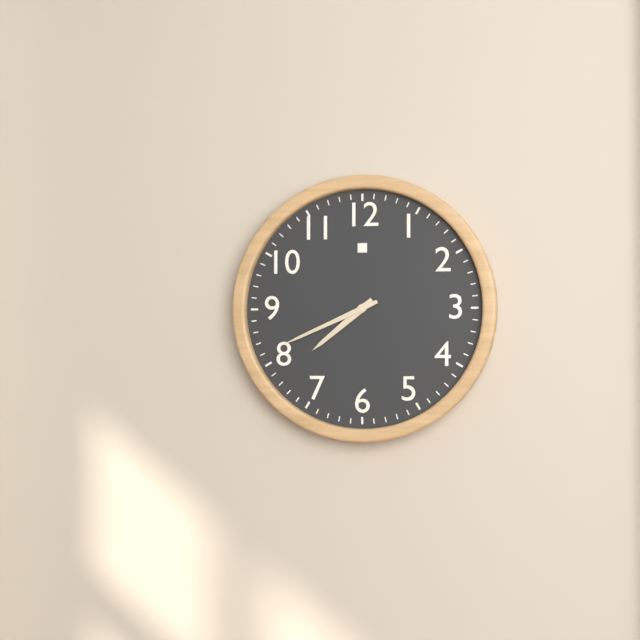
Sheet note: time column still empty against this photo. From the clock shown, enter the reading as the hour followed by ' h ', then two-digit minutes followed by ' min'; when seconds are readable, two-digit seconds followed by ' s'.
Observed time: 7 h 41 min
